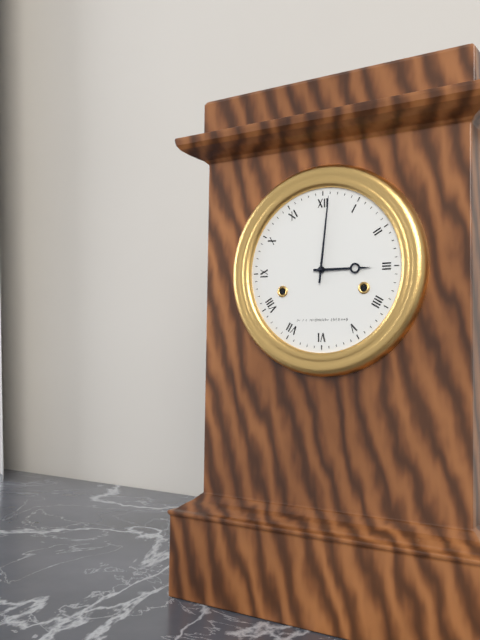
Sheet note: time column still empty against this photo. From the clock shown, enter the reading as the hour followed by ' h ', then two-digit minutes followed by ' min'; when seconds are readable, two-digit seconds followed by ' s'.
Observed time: 3 h 01 min
